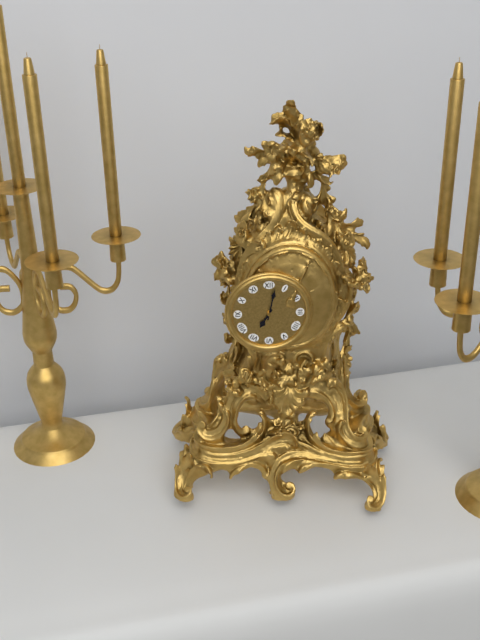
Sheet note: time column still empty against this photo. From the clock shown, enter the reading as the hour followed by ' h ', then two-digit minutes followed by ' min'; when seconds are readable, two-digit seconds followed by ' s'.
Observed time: 7 h 02 min
